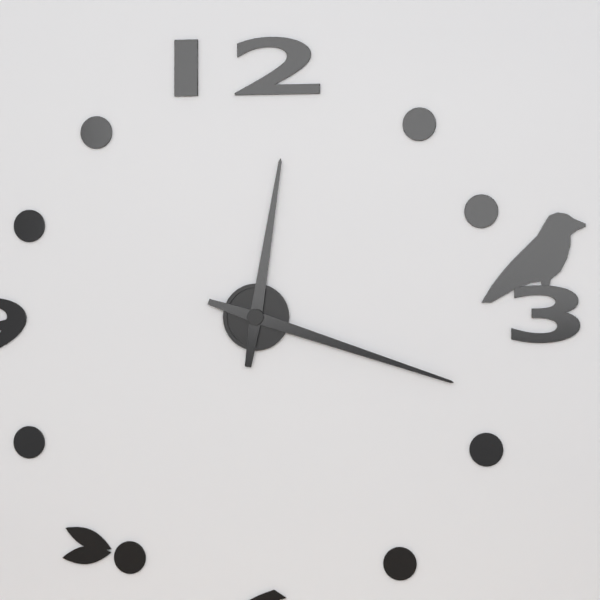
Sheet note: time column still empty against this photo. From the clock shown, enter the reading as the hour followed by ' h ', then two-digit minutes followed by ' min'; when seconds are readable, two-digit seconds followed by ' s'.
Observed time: 12 h 18 min
